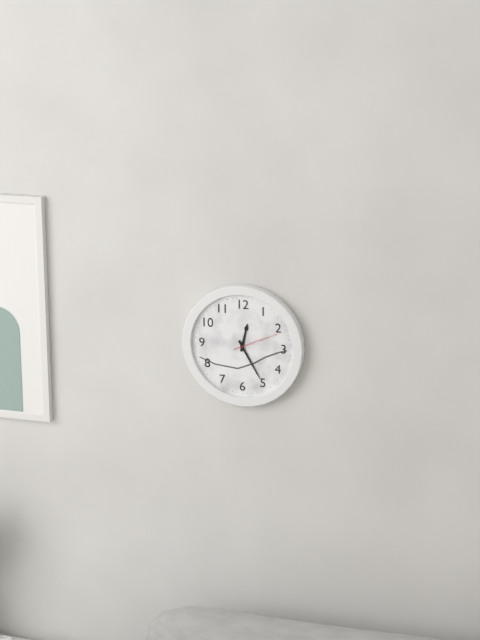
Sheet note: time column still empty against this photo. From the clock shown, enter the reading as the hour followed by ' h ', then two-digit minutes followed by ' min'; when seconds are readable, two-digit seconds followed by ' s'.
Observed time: 12 h 25 min
